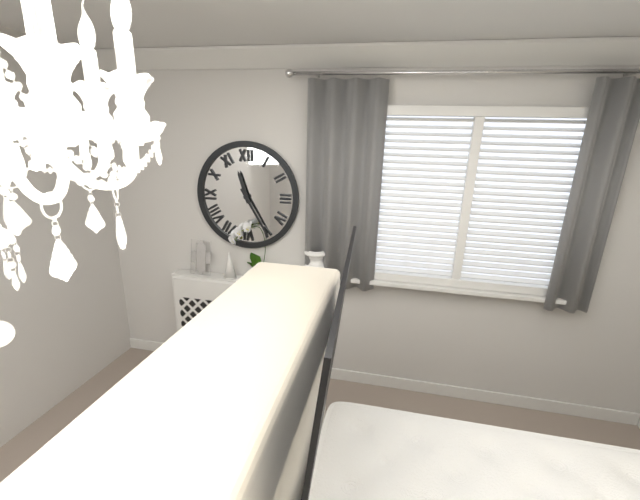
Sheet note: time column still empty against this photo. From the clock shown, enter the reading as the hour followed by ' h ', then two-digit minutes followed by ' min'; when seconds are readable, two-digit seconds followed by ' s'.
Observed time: 11 h 25 min
